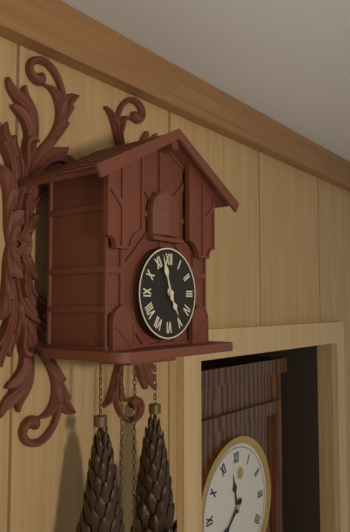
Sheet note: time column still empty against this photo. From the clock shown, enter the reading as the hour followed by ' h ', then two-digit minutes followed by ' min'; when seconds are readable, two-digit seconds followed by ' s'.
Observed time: 4 h 57 min
